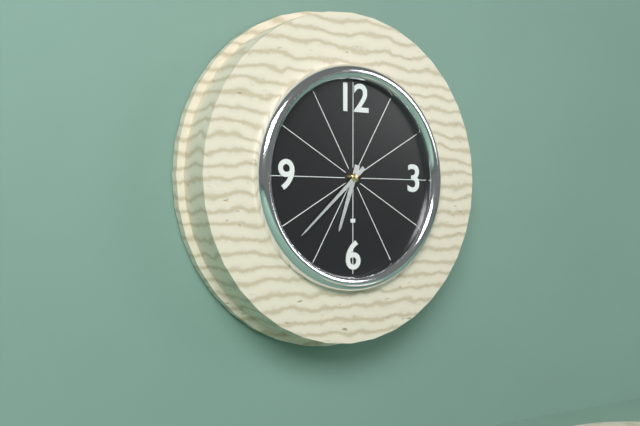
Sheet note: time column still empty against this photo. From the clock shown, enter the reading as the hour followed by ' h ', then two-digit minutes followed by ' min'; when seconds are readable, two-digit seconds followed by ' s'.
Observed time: 6 h 38 min
